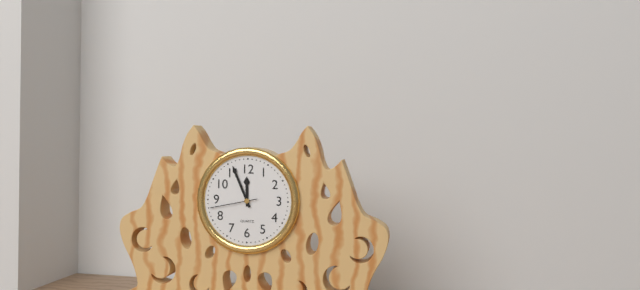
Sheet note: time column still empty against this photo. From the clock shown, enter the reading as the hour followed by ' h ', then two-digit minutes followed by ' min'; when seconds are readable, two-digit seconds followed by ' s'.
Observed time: 11 h 56 min 43 s
